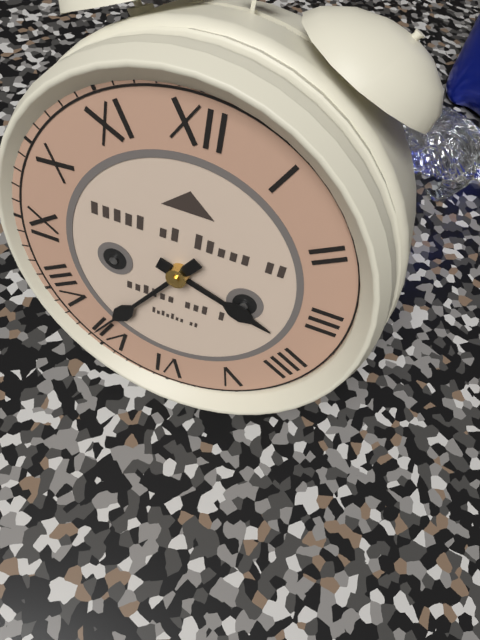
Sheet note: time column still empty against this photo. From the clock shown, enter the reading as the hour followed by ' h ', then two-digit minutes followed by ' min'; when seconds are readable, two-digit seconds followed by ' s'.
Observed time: 3 h 36 min
